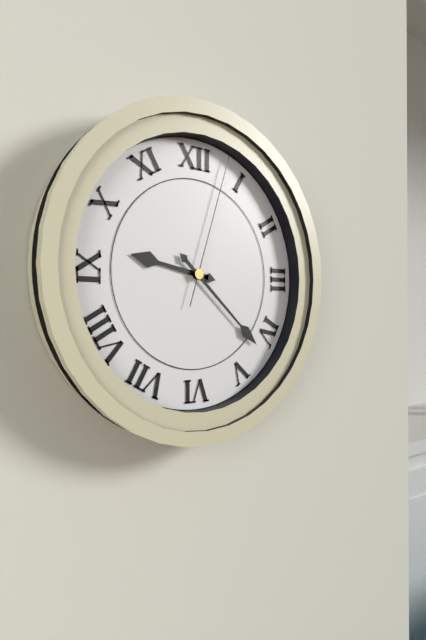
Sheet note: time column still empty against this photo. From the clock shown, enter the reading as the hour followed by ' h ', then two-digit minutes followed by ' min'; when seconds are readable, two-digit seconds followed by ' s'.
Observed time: 9 h 22 min 03 s
